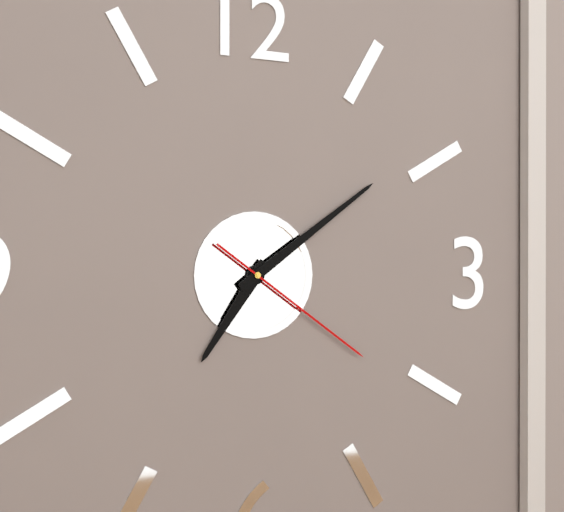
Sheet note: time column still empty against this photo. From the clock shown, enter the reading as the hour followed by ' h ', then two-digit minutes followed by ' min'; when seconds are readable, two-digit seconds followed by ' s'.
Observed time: 7 h 09 min 21 s
